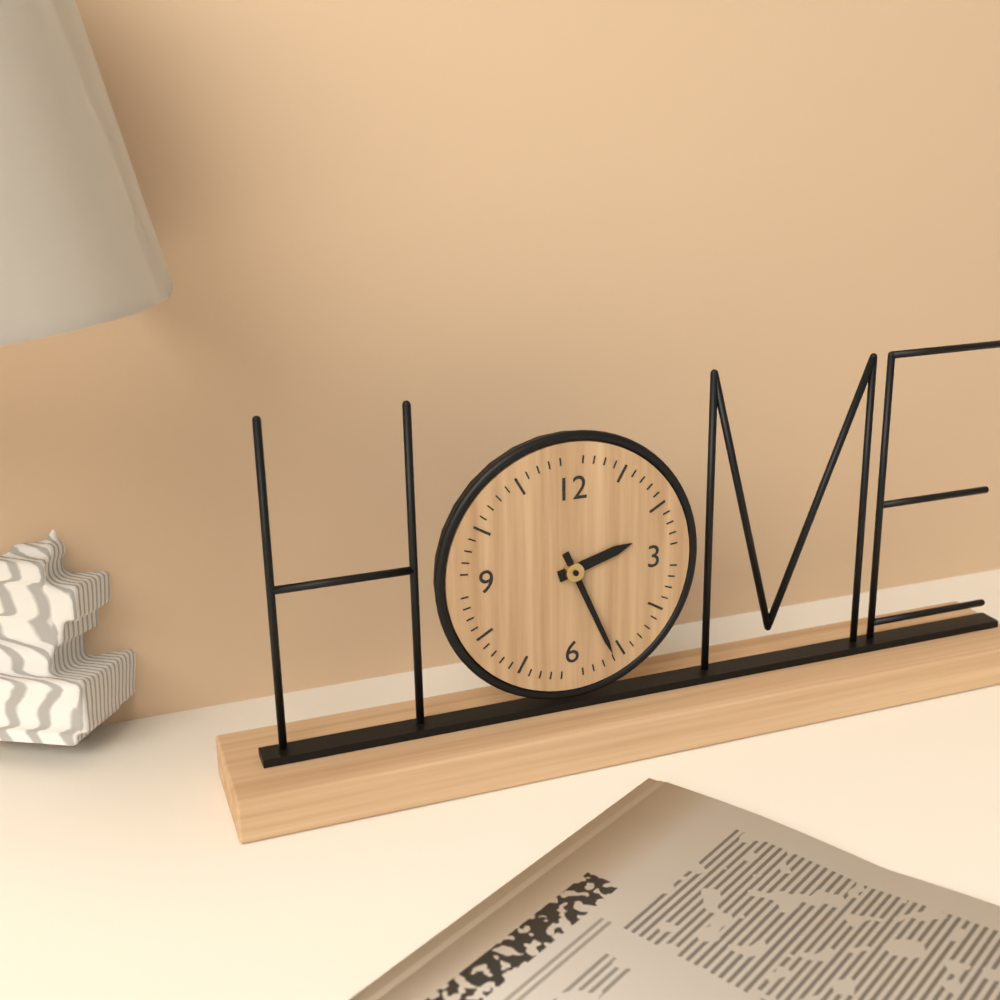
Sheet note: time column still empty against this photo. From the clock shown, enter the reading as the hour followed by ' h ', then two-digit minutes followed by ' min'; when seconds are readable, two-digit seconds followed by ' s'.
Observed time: 2 h 26 min
